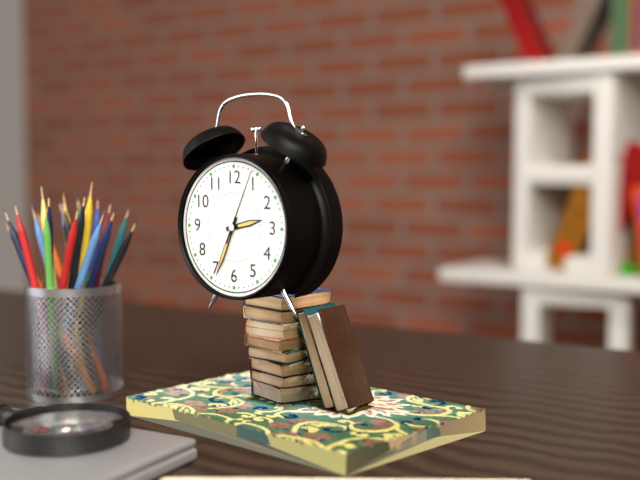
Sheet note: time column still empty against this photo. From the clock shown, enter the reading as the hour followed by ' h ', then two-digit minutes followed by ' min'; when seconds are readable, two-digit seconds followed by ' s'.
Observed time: 2 h 34 min 04 s
